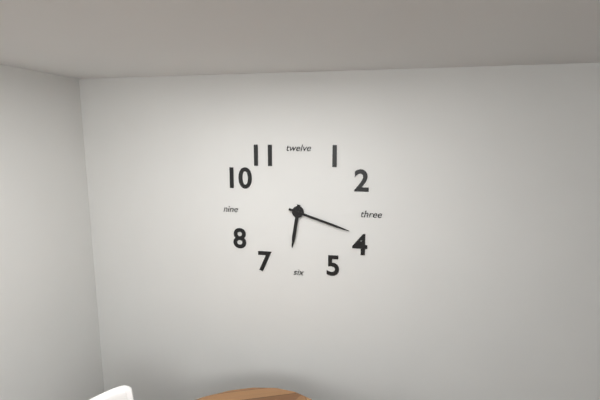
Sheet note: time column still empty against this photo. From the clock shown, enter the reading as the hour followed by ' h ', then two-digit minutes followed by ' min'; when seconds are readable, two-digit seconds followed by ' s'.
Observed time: 6 h 18 min
